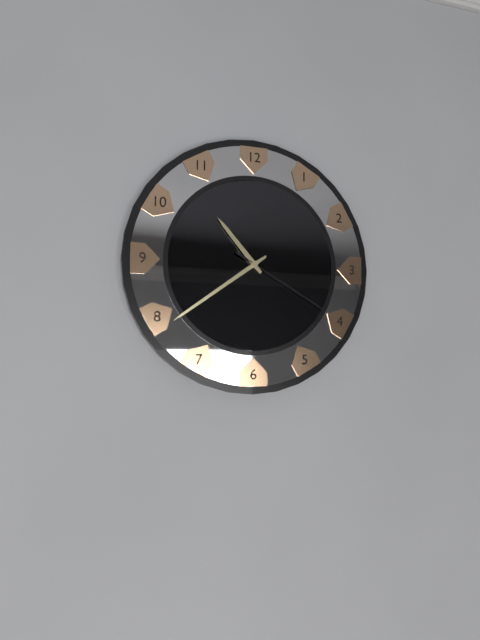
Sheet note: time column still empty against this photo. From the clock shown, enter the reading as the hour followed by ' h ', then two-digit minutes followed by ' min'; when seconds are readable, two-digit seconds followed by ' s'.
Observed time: 10 h 39 min 20 s
